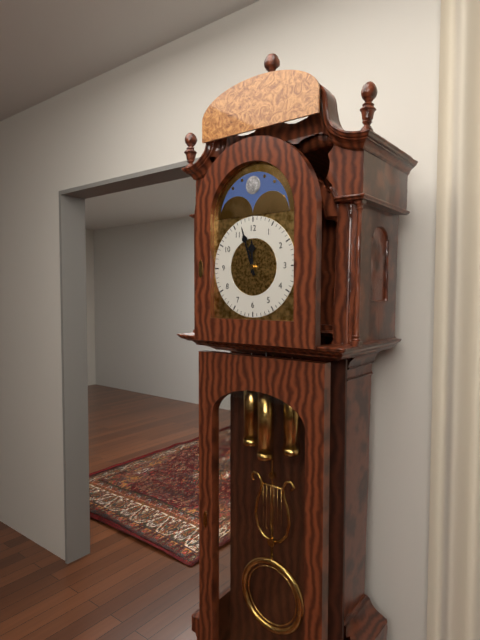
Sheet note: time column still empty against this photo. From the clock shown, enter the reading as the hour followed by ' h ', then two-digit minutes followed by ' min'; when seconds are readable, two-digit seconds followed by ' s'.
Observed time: 11 h 57 min
